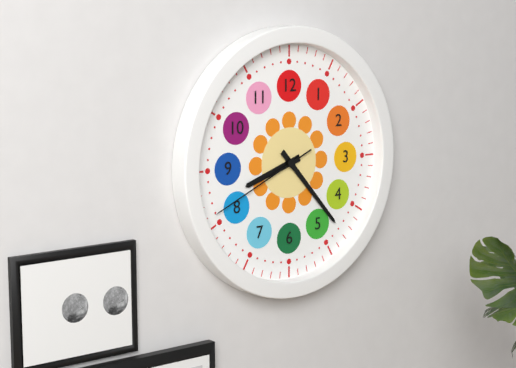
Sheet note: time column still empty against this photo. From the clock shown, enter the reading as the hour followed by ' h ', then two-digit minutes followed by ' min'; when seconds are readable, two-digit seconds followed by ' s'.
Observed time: 8 h 23 min 41 s
